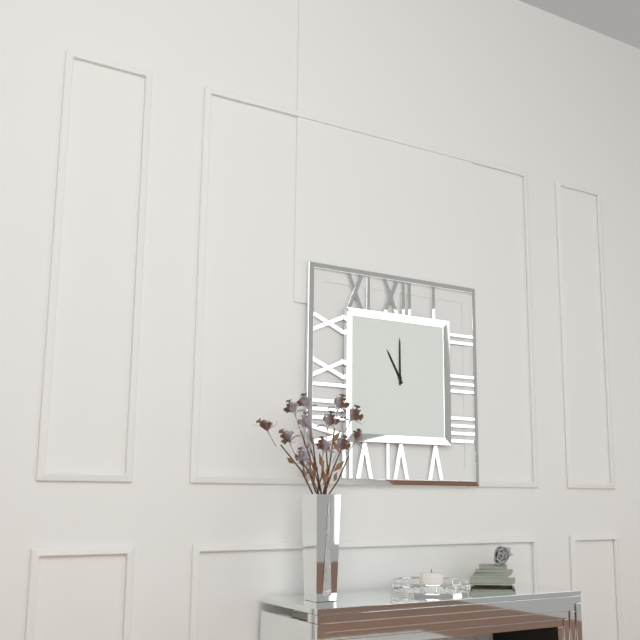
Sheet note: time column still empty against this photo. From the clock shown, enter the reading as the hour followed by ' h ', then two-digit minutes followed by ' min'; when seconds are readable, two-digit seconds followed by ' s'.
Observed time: 11 h 00 min
